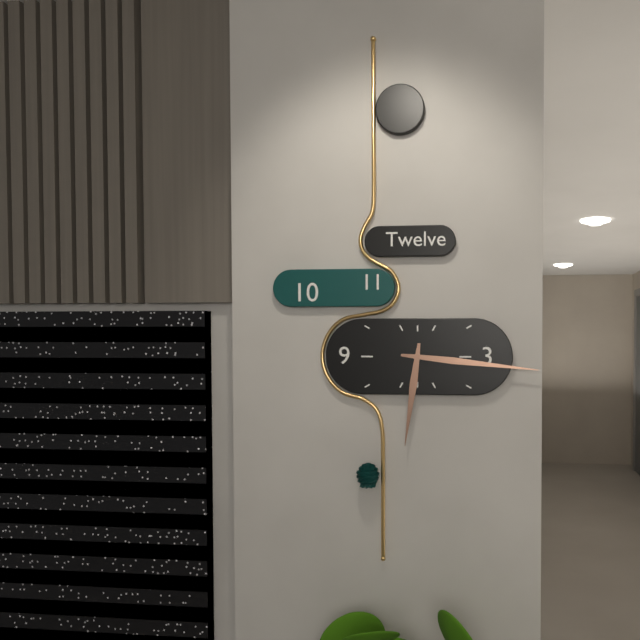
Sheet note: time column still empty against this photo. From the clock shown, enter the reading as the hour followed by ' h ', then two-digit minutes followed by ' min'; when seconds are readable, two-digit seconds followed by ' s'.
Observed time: 6 h 16 min
